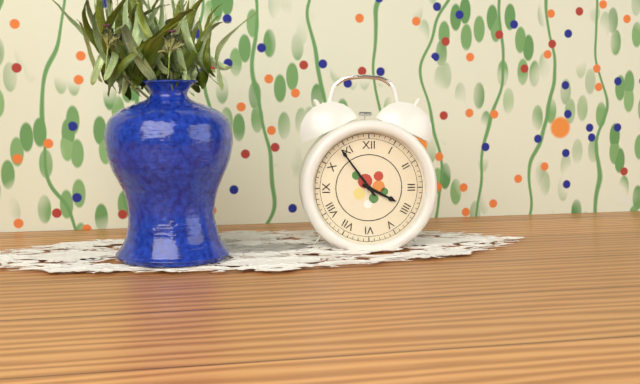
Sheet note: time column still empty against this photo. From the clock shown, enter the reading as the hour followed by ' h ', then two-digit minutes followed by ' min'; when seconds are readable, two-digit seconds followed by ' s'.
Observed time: 3 h 54 min
